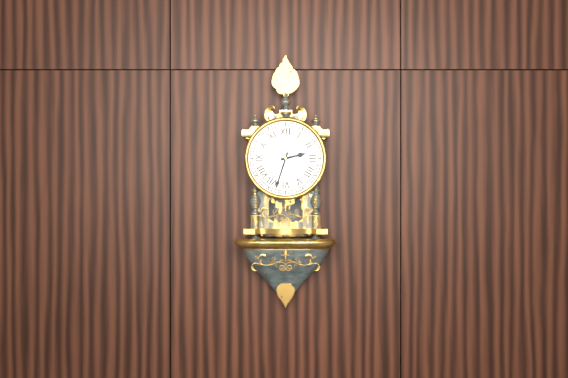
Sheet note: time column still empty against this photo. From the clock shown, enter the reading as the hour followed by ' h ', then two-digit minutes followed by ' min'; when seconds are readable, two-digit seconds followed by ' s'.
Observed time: 2 h 33 min
